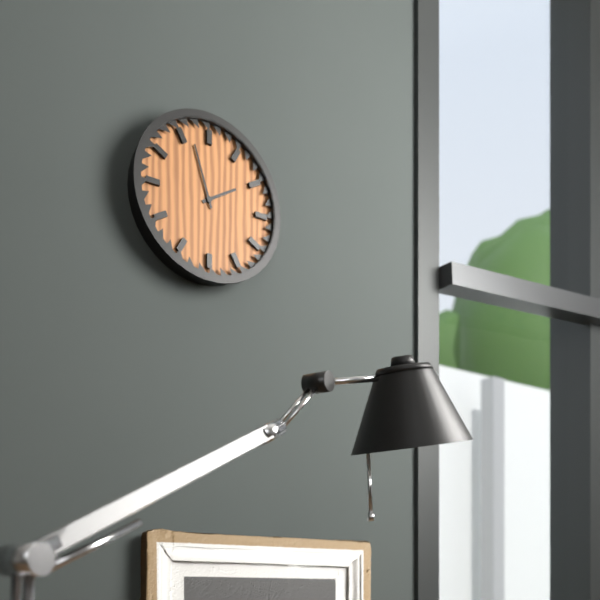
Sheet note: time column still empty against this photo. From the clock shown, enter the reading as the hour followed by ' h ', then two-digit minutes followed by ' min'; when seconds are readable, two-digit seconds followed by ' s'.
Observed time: 1 h 57 min
